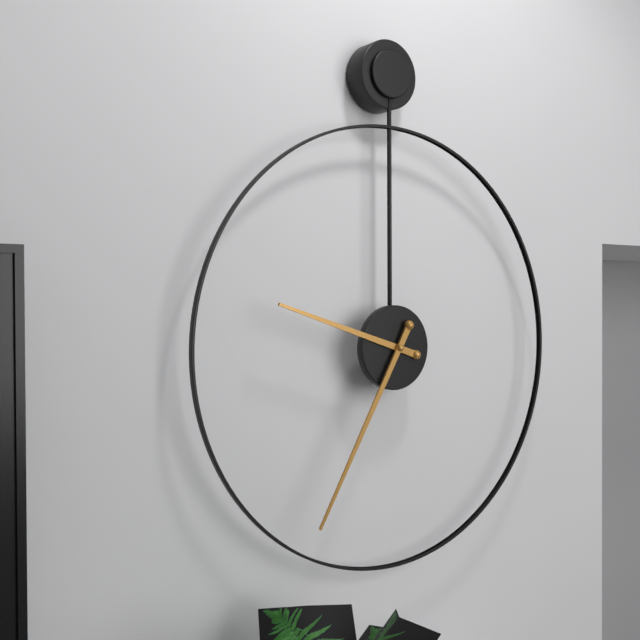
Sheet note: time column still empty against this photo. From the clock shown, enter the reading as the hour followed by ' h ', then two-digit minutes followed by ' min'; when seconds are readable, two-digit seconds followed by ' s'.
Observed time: 9 h 35 min
